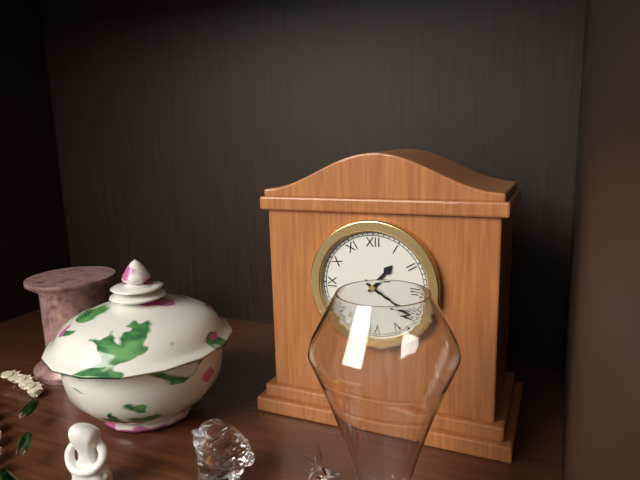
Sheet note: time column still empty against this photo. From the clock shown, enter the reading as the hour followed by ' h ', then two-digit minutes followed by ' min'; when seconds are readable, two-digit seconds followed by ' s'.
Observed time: 1 h 21 min
